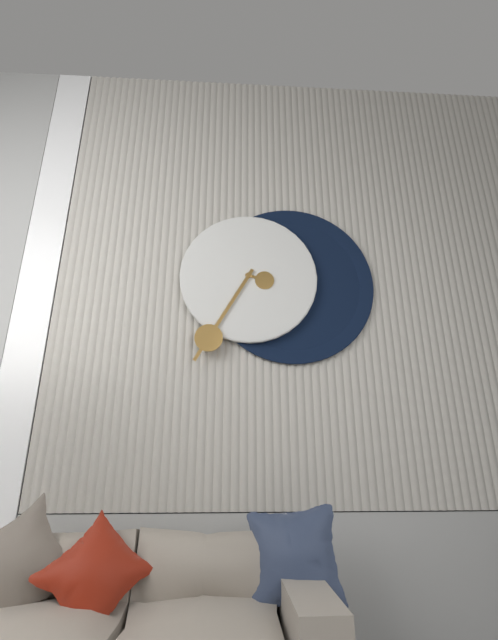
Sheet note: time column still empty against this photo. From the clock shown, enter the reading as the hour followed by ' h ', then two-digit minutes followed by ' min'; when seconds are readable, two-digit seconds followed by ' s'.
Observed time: 3 h 35 min
